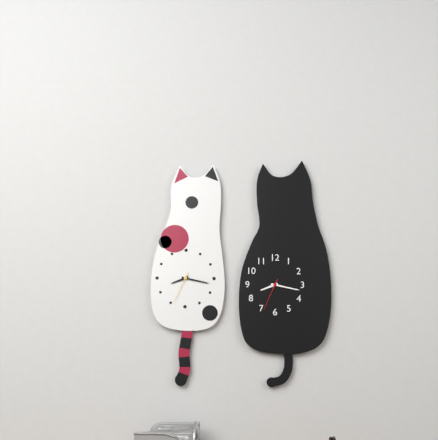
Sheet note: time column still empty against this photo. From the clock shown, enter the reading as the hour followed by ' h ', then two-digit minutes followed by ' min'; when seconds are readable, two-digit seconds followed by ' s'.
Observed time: 8 h 17 min
